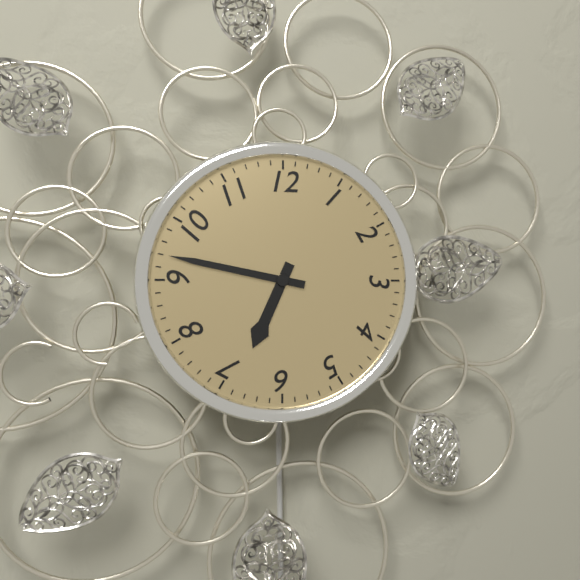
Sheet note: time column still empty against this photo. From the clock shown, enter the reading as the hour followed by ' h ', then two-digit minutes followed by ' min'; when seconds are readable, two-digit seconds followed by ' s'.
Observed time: 6 h 47 min
